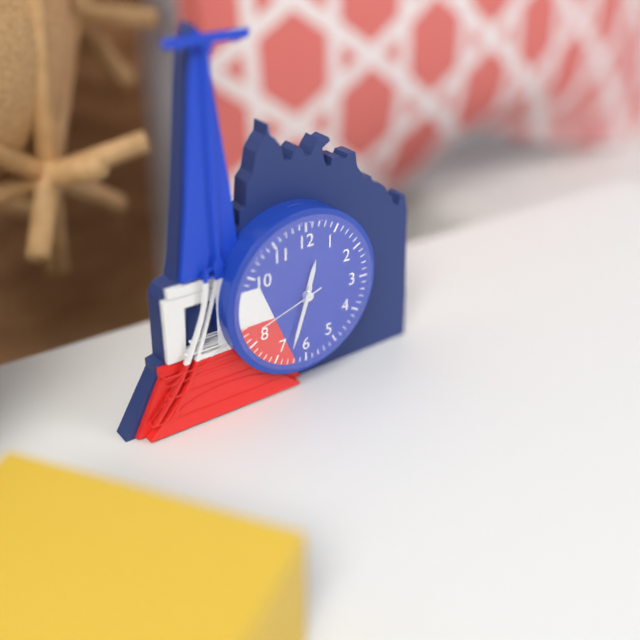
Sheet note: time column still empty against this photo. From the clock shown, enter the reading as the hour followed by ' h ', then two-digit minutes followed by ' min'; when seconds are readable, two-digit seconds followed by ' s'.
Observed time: 12 h 33 min 42 s
